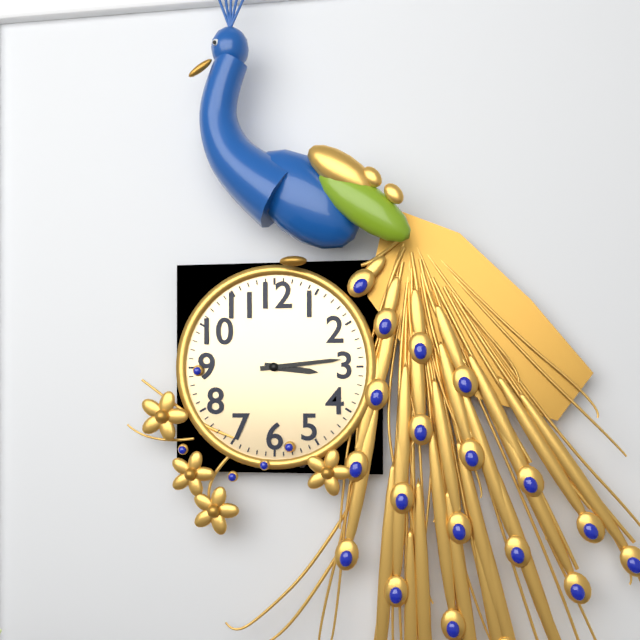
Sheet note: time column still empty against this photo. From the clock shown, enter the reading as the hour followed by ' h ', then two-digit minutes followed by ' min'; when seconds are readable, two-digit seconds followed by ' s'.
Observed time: 3 h 14 min
